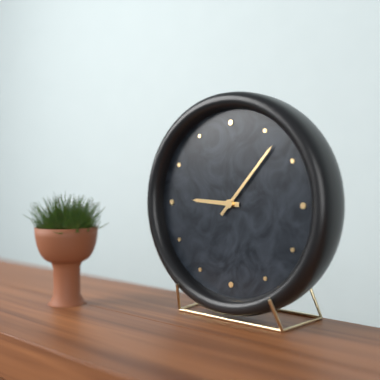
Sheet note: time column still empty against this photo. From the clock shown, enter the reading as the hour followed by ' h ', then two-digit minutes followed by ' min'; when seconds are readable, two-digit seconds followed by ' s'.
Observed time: 9 h 07 min
